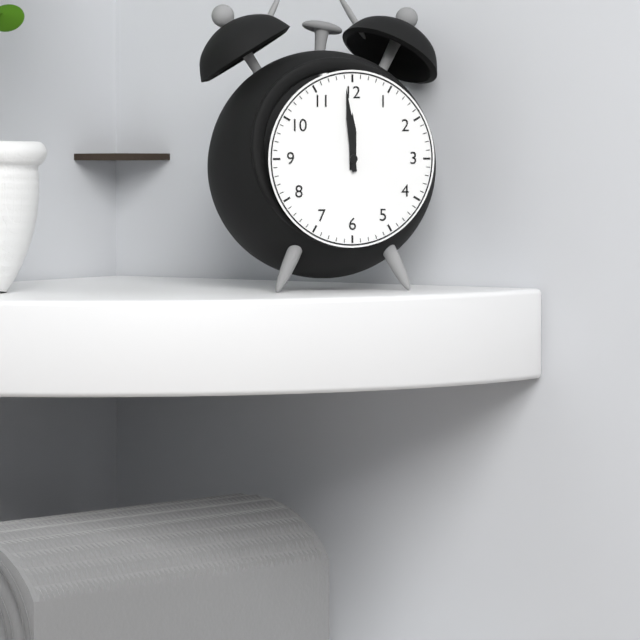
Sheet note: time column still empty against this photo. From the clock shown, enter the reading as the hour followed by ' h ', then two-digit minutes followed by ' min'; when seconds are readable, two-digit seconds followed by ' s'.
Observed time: 11 h 59 min
